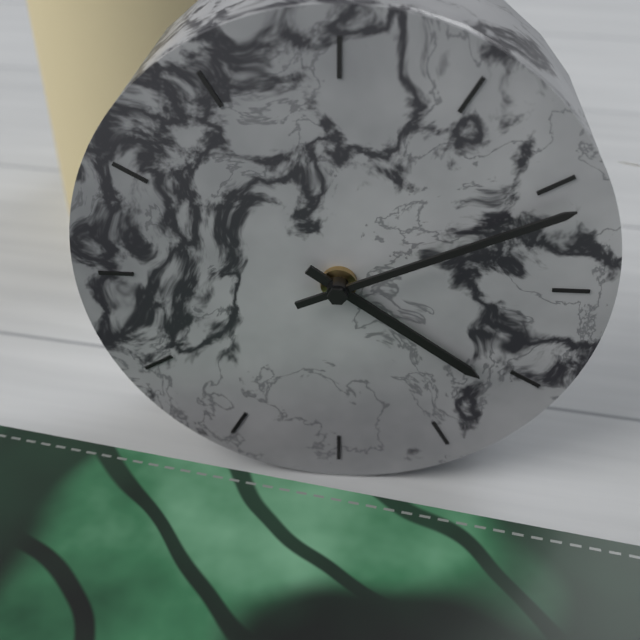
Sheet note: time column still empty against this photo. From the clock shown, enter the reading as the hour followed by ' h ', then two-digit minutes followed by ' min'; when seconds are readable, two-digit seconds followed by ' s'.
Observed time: 4 h 11 min
